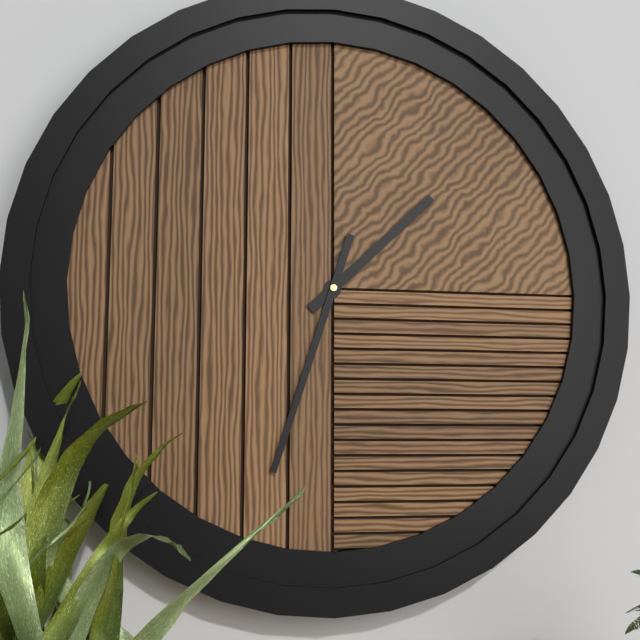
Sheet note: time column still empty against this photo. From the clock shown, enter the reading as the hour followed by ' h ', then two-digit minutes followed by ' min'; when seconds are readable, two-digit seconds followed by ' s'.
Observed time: 1 h 33 min
